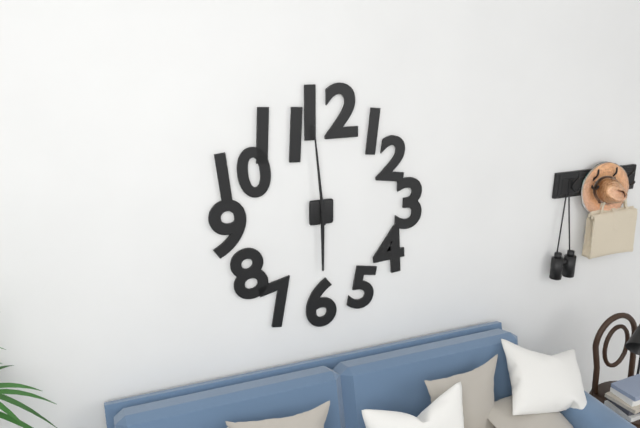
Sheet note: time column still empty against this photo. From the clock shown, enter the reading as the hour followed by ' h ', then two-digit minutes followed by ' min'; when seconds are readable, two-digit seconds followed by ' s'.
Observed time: 5 h 59 min
